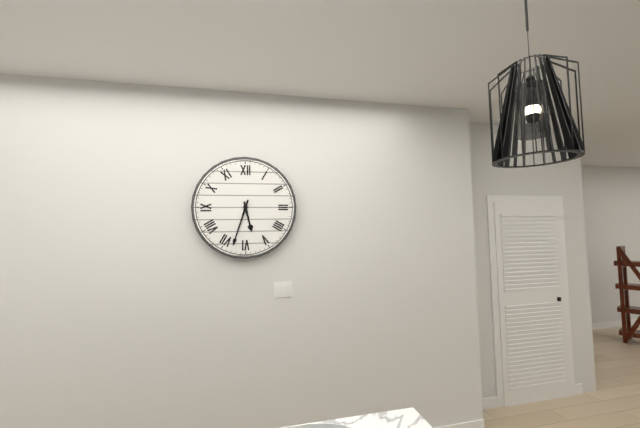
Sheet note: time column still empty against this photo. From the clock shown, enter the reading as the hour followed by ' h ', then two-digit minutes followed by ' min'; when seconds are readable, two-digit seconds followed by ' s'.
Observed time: 5 h 33 min
